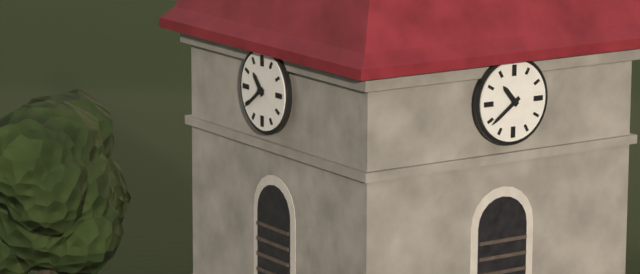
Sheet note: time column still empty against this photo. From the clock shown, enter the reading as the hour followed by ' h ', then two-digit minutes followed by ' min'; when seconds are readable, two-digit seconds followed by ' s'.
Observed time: 10 h 39 min
